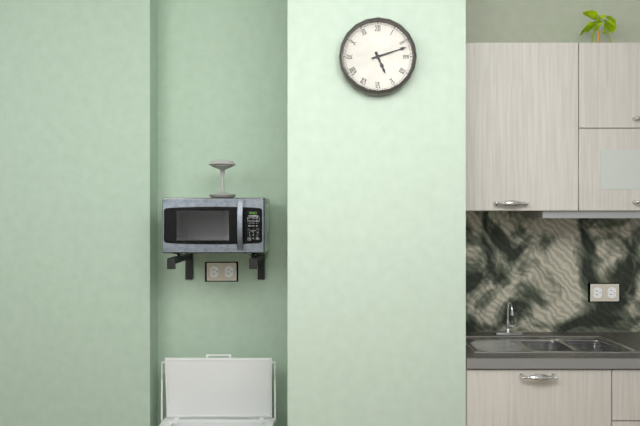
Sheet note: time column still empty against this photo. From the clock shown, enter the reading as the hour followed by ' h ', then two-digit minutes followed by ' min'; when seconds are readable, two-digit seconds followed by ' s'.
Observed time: 5 h 12 min
